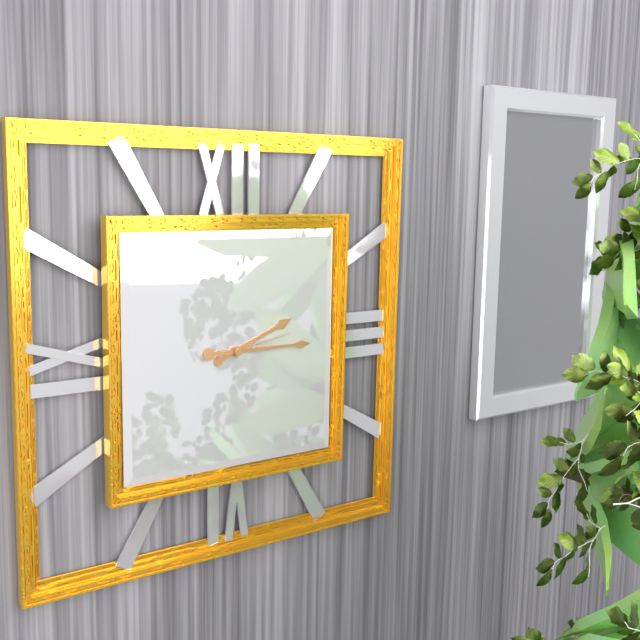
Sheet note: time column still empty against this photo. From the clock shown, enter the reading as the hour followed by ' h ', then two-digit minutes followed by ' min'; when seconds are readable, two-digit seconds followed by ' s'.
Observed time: 2 h 15 min 13 s
